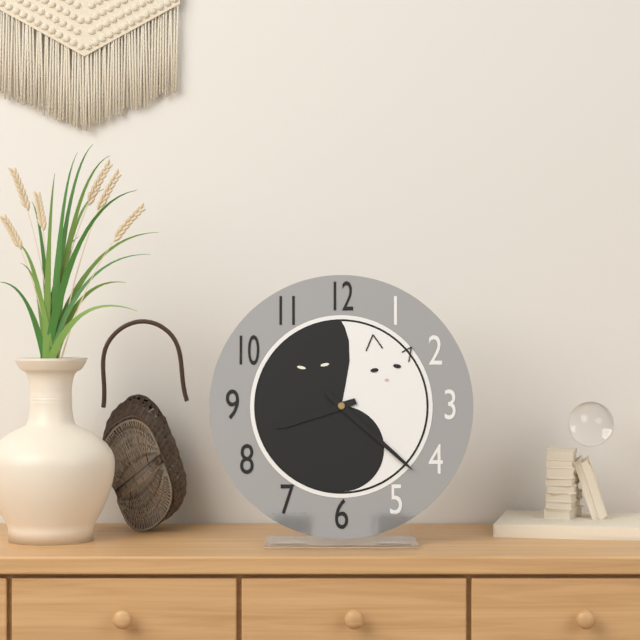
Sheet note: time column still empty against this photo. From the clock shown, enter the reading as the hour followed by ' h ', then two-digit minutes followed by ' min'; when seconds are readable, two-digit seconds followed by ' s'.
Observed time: 8 h 22 min
